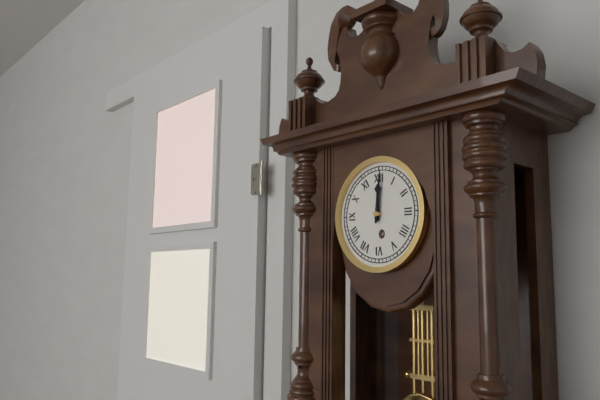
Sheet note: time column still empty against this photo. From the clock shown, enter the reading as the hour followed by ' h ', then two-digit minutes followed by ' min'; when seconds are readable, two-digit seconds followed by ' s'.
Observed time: 12 h 01 min
